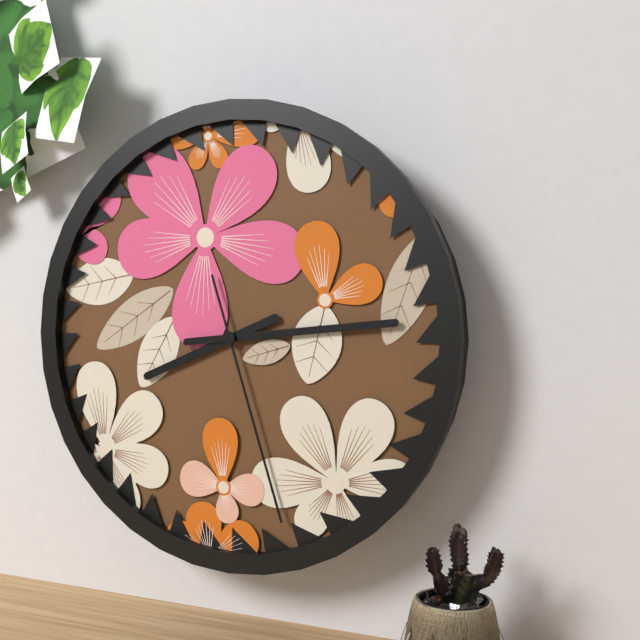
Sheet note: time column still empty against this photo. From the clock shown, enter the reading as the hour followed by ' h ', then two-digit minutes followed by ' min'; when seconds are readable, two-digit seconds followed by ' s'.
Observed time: 8 h 14 min 27 s
